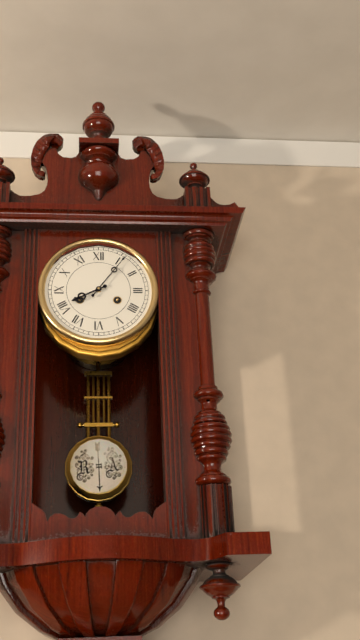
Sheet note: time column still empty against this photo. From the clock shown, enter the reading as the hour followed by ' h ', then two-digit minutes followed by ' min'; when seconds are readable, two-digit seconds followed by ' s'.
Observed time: 8 h 06 min
